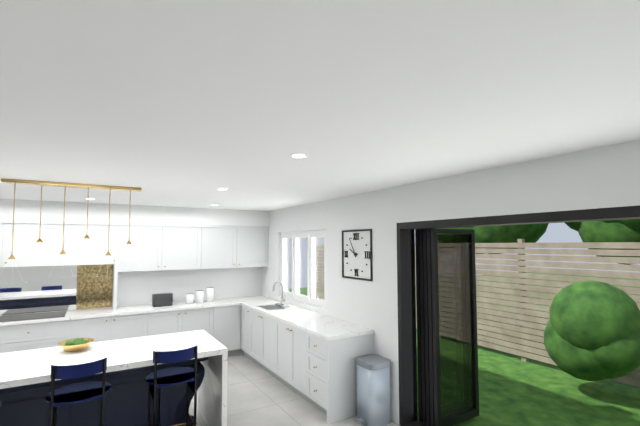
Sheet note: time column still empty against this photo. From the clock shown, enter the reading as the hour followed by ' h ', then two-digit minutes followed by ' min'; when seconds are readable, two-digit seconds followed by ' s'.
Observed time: 9 h 55 min
